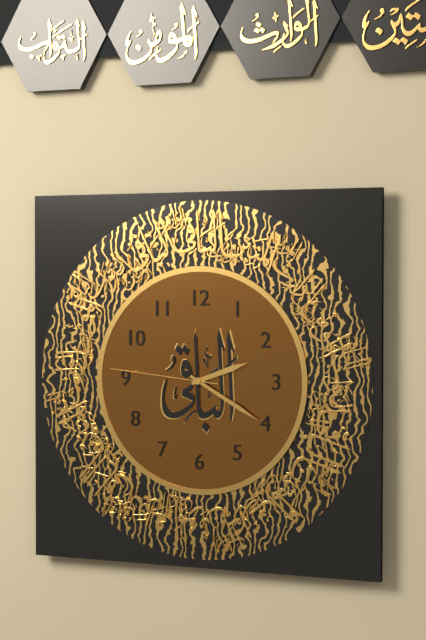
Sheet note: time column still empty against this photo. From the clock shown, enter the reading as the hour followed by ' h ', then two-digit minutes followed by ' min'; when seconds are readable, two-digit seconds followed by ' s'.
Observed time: 2 h 20 min 46 s
